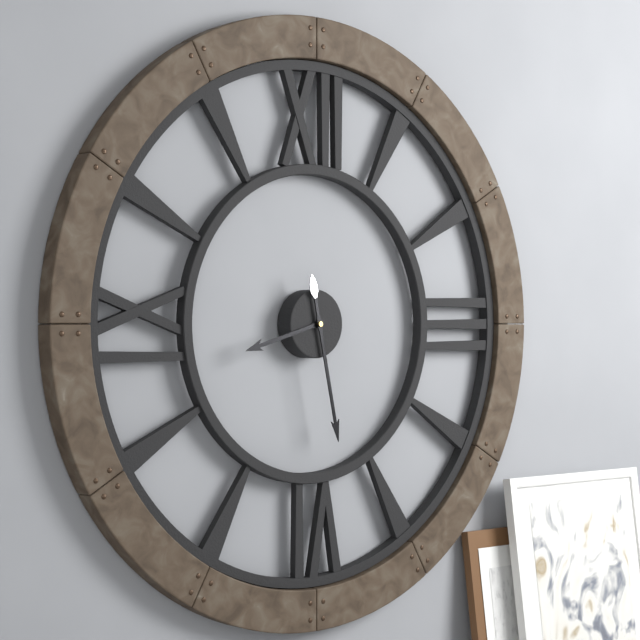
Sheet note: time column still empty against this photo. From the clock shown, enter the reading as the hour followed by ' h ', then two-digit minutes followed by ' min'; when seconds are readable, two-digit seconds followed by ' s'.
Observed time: 8 h 28 min
